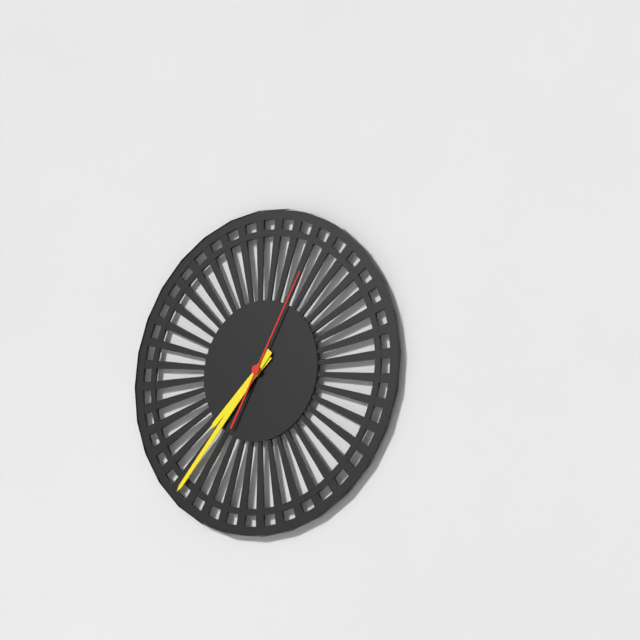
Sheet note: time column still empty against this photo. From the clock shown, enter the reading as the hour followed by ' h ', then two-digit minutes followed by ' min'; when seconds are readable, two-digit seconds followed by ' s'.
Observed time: 7 h 37 min 05 s
